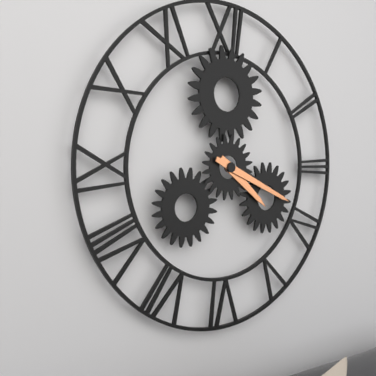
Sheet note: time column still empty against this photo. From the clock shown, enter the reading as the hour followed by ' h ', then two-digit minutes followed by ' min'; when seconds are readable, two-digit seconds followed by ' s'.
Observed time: 4 h 19 min
